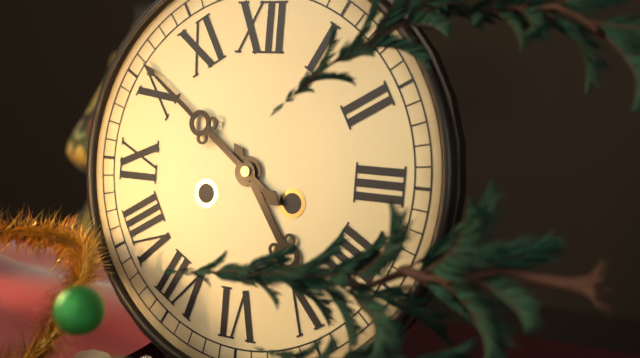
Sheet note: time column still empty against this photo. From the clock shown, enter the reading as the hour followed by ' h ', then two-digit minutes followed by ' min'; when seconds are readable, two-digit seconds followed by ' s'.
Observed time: 4 h 51 min
